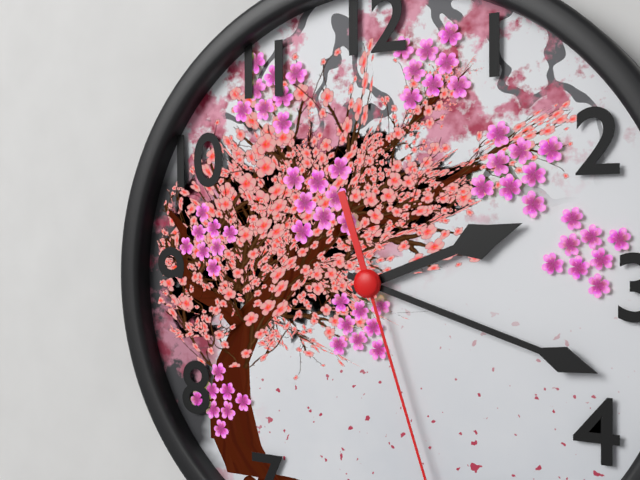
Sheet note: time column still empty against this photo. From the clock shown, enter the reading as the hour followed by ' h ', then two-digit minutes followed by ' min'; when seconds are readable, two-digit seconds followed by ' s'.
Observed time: 2 h 18 min
